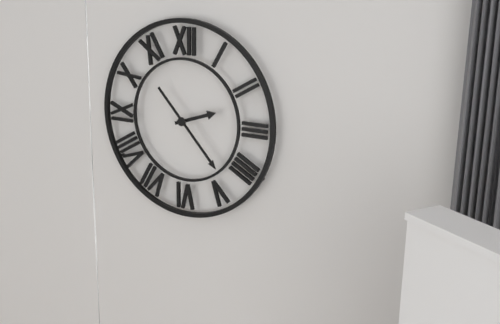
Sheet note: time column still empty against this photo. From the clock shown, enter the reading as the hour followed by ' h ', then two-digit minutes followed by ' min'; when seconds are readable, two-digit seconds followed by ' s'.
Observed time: 2 h 23 min
